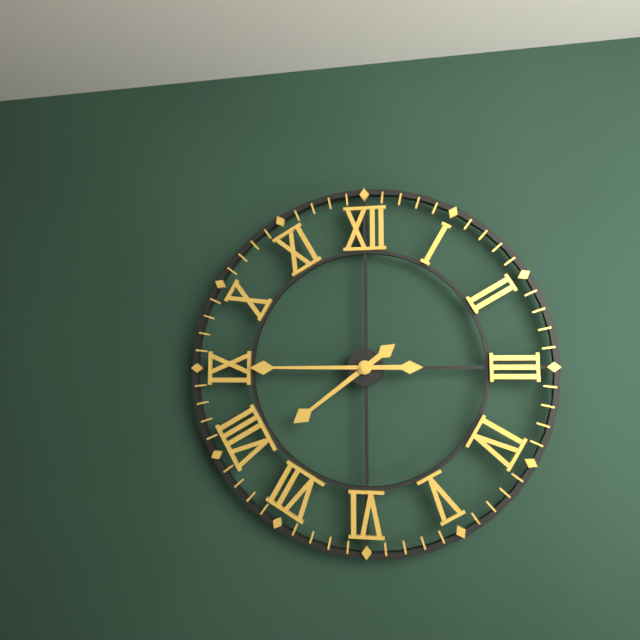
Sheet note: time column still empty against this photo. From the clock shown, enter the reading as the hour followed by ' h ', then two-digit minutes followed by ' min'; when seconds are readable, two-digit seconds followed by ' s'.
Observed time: 7 h 45 min
